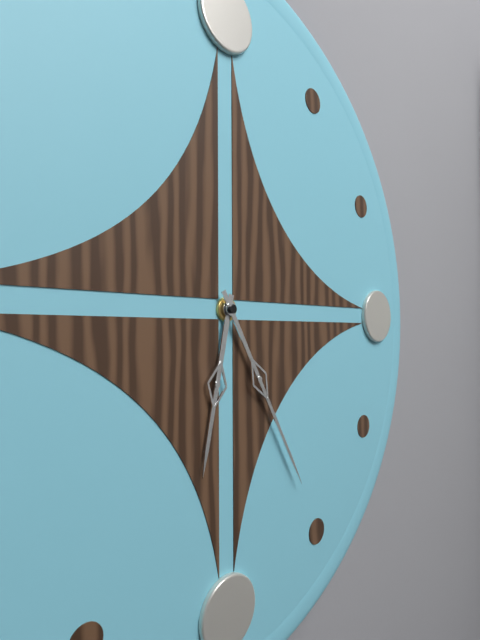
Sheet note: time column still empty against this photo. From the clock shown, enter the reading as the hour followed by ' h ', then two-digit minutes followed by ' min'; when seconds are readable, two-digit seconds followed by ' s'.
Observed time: 6 h 25 min
